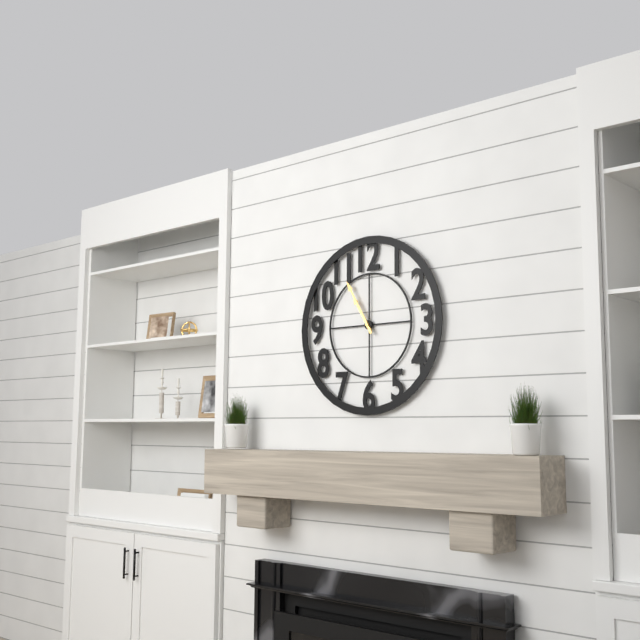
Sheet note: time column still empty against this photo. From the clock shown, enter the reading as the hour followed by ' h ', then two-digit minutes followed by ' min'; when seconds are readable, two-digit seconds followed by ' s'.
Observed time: 10 h 55 min
